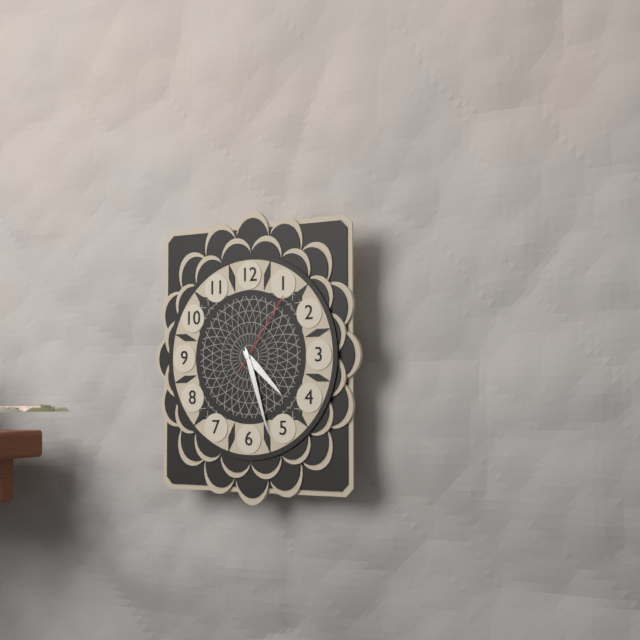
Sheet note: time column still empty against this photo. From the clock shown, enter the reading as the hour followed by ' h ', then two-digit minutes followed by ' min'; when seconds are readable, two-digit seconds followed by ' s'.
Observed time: 4 h 27 min 06 s
